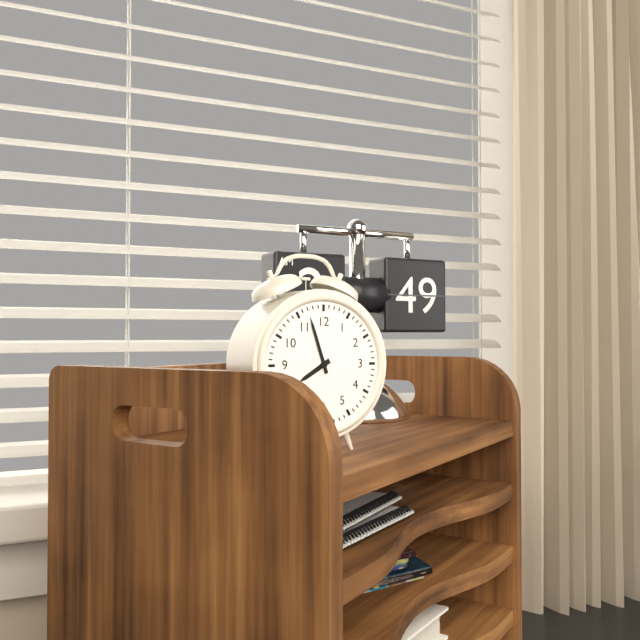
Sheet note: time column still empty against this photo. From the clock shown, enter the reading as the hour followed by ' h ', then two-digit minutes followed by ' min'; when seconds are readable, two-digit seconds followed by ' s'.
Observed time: 7 h 57 min
